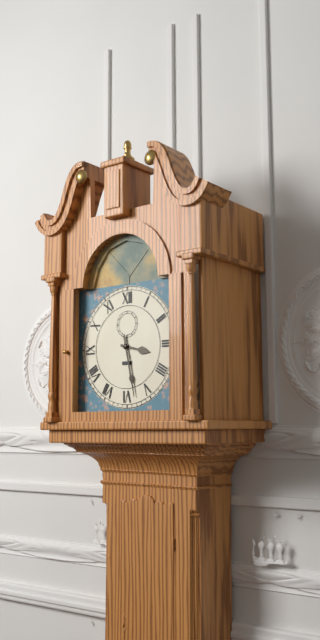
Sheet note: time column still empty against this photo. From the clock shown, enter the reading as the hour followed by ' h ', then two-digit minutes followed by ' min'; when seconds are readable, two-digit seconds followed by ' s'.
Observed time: 3 h 28 min
